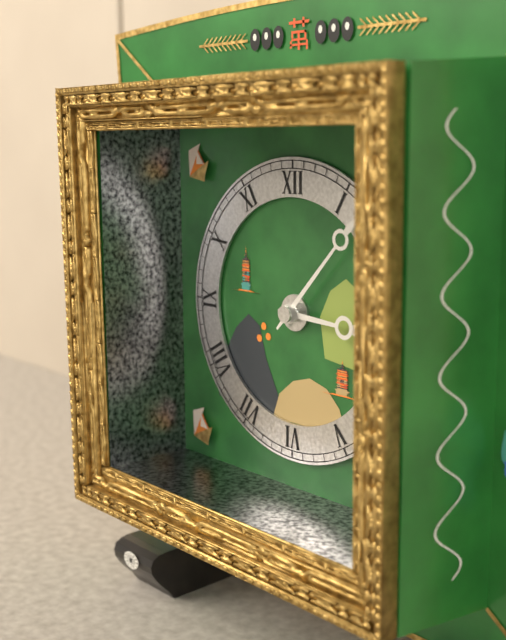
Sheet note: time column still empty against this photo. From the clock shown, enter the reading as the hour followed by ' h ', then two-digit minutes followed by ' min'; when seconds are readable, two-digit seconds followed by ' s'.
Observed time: 3 h 07 min
